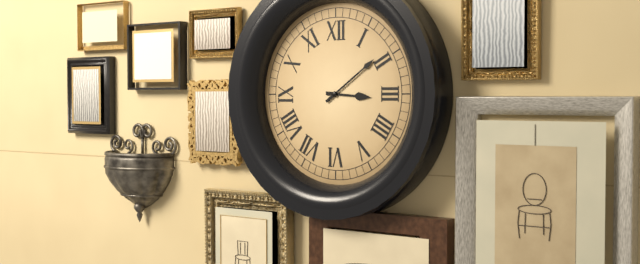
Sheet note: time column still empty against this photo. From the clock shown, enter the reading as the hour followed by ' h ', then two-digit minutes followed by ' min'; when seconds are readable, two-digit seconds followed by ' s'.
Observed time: 3 h 09 min
